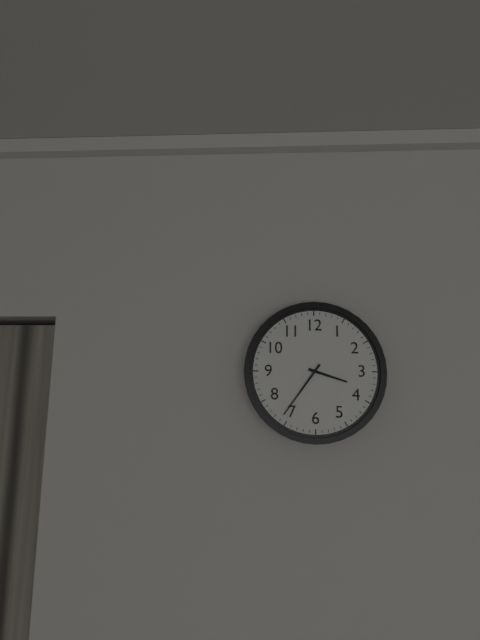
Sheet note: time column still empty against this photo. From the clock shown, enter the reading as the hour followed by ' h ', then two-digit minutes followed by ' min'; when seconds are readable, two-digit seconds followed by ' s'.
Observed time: 3 h 36 min
